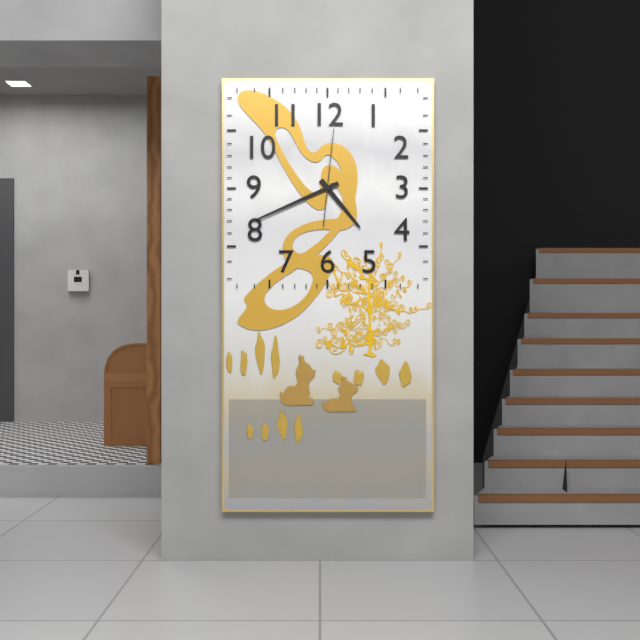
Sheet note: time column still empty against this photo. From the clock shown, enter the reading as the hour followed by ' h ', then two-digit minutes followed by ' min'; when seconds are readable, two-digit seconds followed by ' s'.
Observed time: 4 h 41 min 01 s
